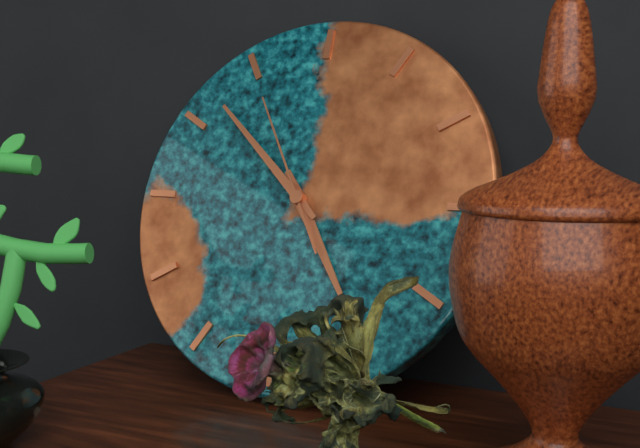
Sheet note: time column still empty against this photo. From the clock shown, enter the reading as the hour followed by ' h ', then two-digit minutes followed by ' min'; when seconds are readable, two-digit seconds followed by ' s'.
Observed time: 4 h 52 min 55 s
